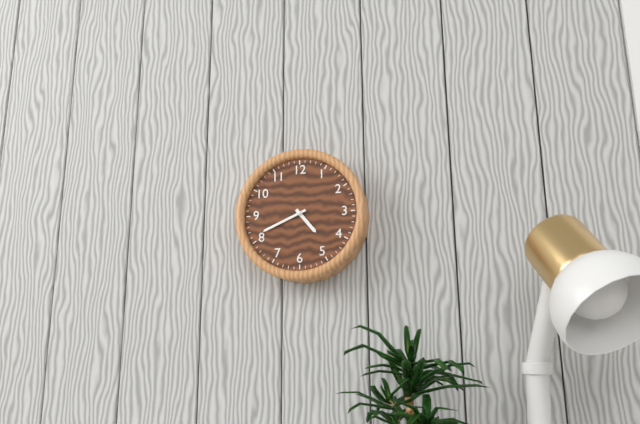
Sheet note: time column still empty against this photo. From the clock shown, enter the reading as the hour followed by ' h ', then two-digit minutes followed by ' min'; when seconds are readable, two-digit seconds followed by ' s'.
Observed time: 4 h 41 min
